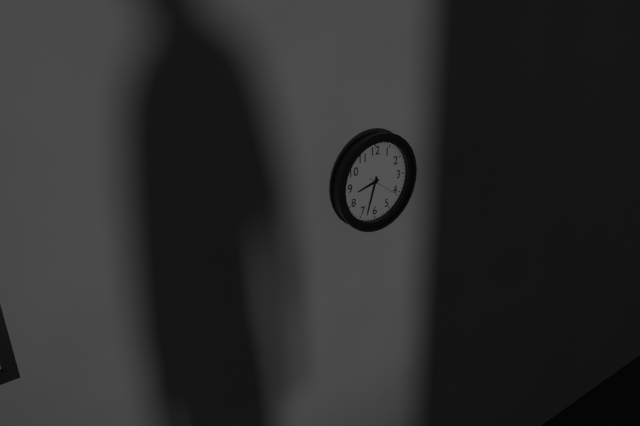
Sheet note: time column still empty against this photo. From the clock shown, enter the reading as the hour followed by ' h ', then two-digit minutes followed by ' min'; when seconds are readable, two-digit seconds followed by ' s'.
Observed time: 8 h 33 min
